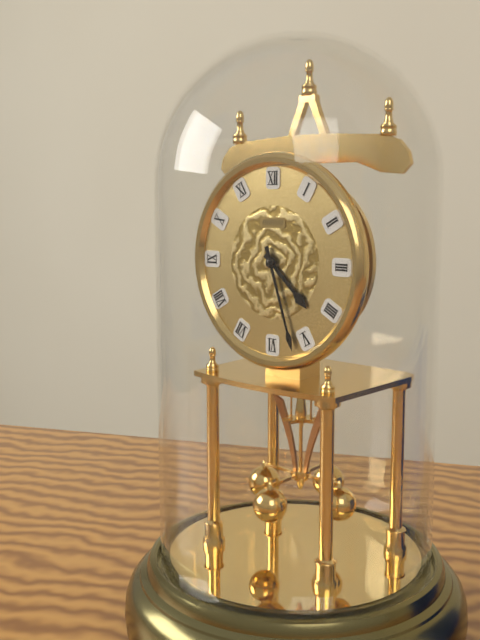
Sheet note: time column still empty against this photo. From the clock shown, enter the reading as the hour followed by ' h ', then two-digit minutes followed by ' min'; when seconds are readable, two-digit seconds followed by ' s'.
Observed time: 4 h 27 min
